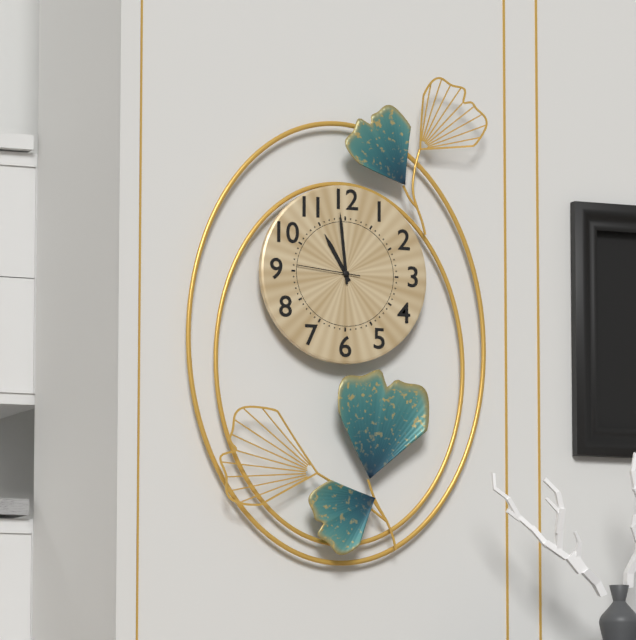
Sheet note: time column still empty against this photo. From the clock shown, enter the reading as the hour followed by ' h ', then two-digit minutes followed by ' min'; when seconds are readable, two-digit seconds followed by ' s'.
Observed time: 10 h 59 min 46 s
